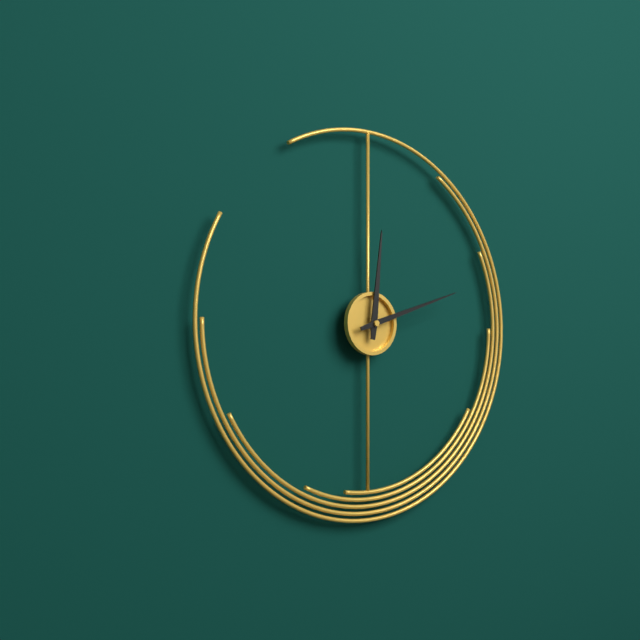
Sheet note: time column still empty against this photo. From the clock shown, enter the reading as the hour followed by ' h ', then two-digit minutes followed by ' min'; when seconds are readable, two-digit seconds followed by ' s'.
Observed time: 12 h 12 min
